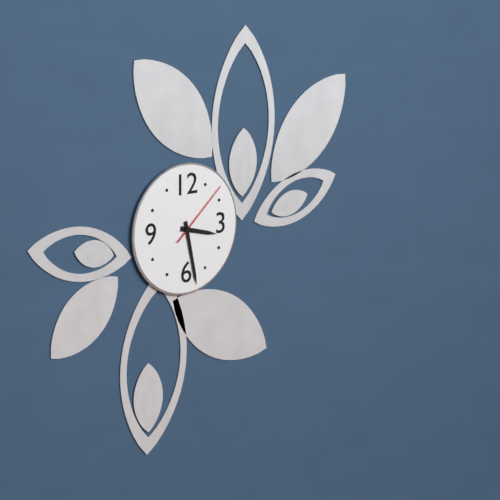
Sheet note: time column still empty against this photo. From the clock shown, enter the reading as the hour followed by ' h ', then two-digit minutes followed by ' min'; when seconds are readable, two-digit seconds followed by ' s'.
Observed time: 3 h 28 min 08 s
